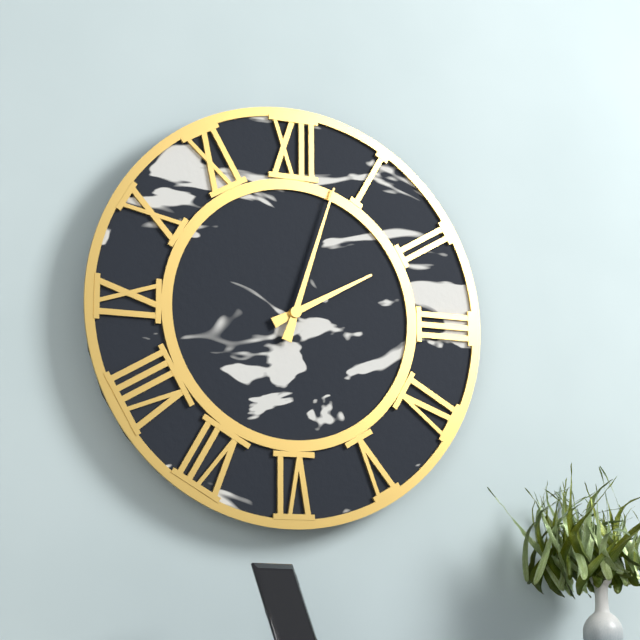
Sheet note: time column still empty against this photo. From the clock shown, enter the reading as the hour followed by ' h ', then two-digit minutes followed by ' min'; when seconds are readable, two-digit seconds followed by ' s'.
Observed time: 2 h 03 min
